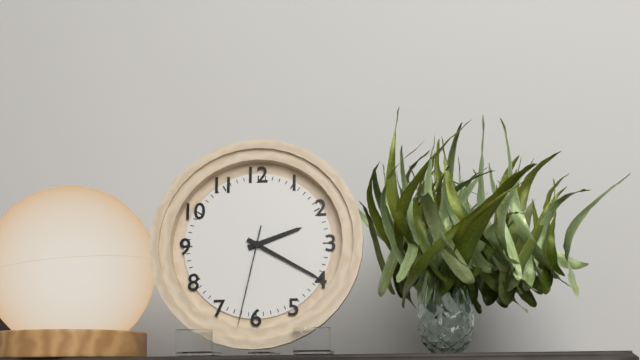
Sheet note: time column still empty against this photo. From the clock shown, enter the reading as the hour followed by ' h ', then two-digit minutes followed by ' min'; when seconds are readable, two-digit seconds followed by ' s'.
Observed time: 2 h 20 min 32 s
